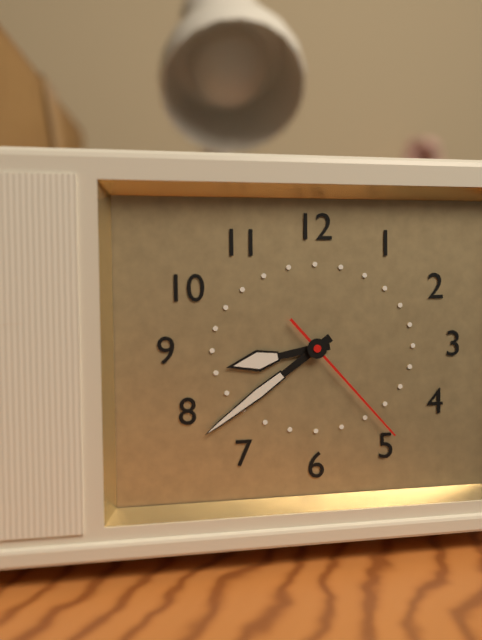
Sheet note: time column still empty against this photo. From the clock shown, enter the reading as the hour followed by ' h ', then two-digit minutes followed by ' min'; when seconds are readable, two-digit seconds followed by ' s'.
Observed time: 8 h 39 min 23 s
